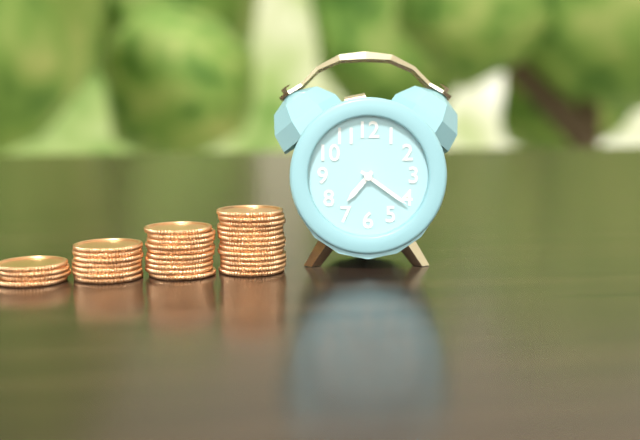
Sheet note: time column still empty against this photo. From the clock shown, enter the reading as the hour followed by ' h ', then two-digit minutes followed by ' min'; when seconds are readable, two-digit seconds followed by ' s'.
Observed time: 7 h 21 min
